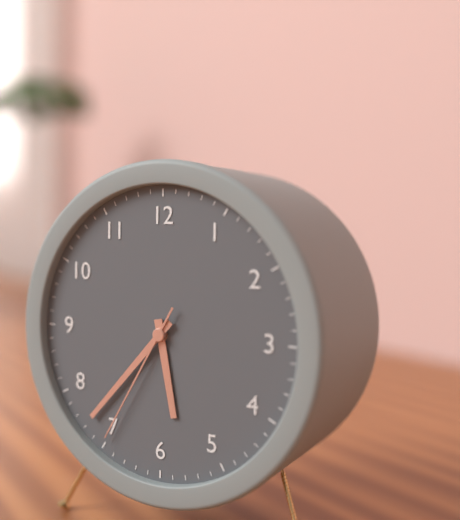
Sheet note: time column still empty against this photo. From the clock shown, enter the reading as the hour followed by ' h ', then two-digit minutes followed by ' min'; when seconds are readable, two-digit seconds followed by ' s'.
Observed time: 5 h 37 min 35 s
